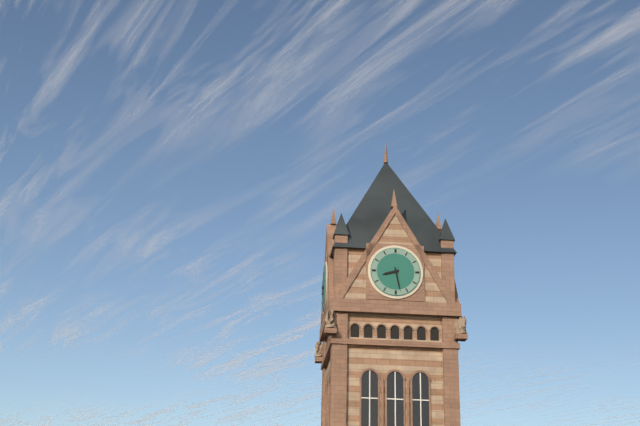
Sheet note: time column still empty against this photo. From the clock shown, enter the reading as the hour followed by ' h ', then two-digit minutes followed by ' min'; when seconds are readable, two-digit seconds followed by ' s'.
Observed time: 8 h 28 min
